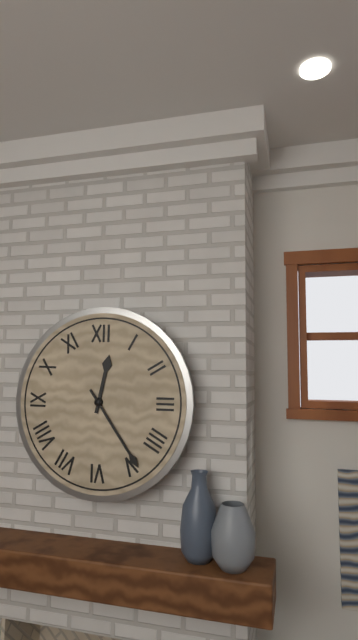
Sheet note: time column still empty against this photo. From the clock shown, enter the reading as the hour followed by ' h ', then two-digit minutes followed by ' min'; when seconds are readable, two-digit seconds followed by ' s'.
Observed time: 12 h 24 min
